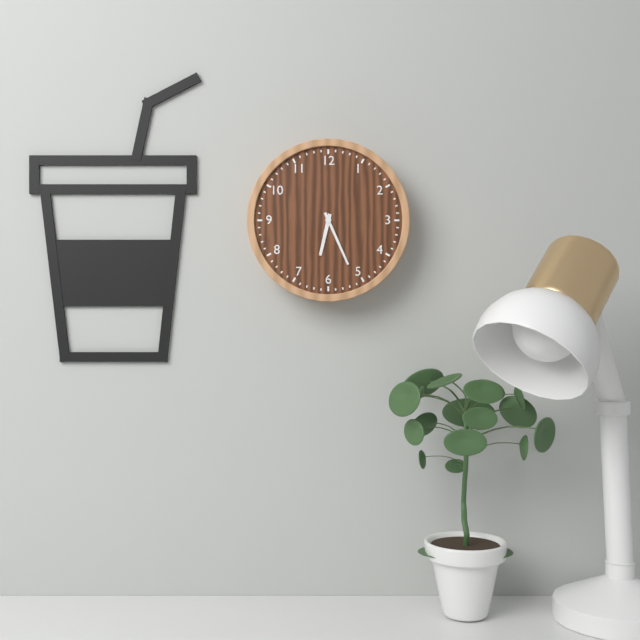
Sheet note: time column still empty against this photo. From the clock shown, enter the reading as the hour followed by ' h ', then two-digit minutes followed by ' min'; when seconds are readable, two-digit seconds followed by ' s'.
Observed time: 6 h 26 min
